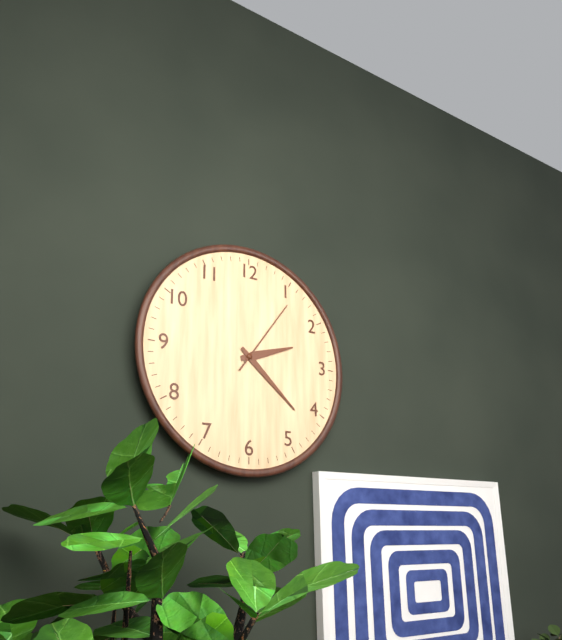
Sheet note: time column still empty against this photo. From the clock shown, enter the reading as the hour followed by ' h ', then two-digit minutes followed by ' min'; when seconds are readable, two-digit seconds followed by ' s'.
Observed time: 2 h 22 min 06 s
